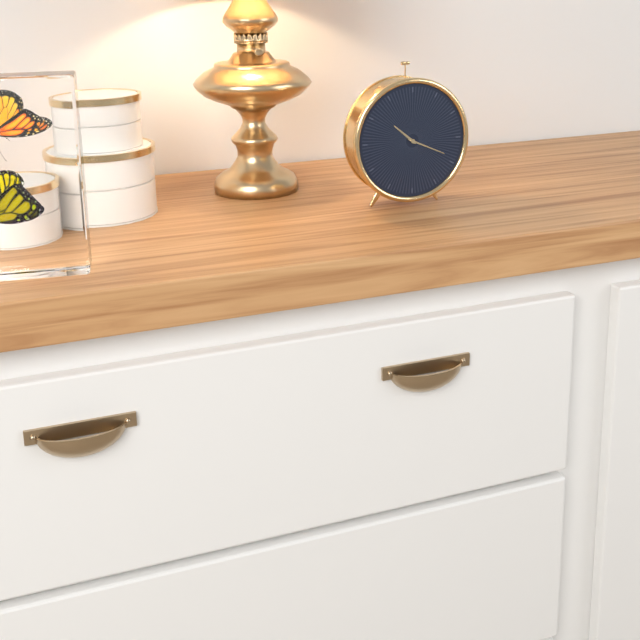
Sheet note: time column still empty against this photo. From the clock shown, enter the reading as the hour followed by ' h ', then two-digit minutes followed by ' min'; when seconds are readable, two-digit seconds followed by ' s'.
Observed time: 10 h 19 min
